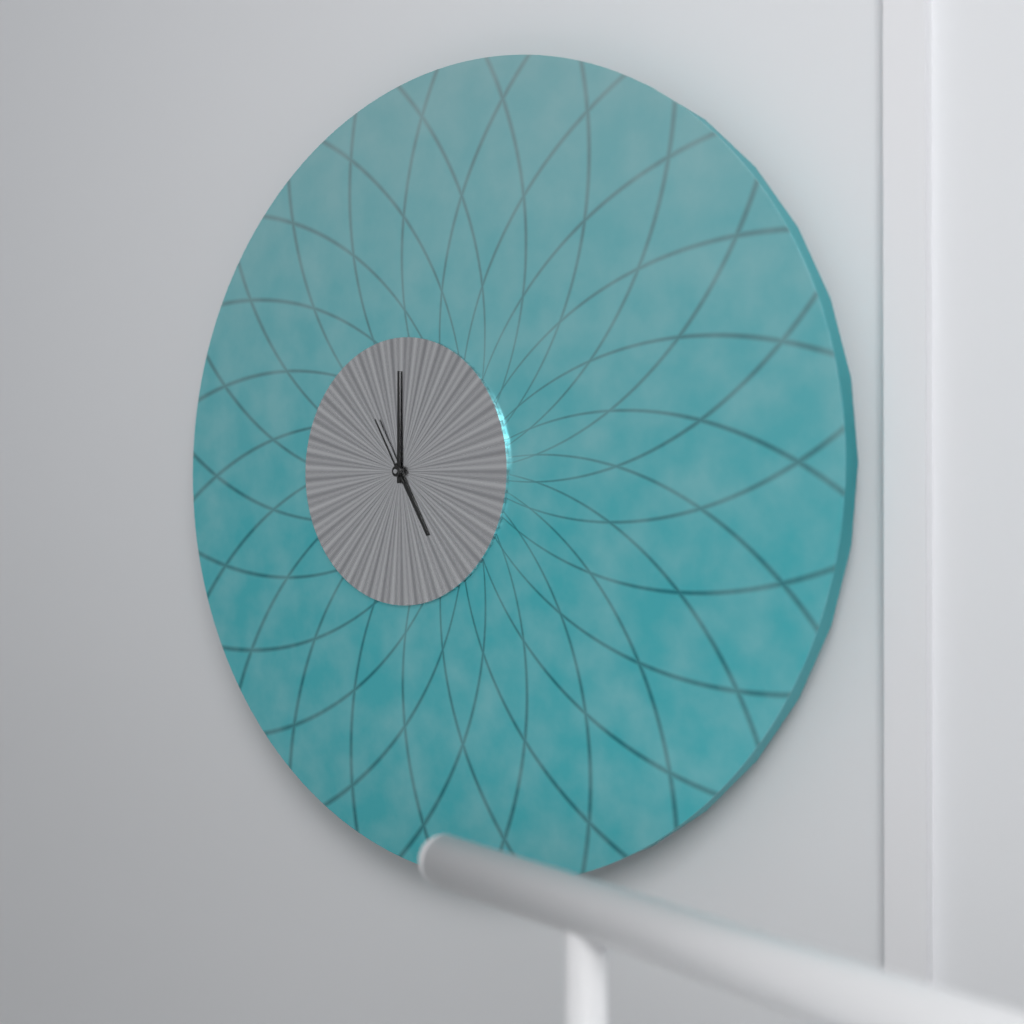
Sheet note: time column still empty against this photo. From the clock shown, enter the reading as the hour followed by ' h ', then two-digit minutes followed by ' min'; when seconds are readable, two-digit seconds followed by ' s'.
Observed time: 5 h 00 min 55 s
